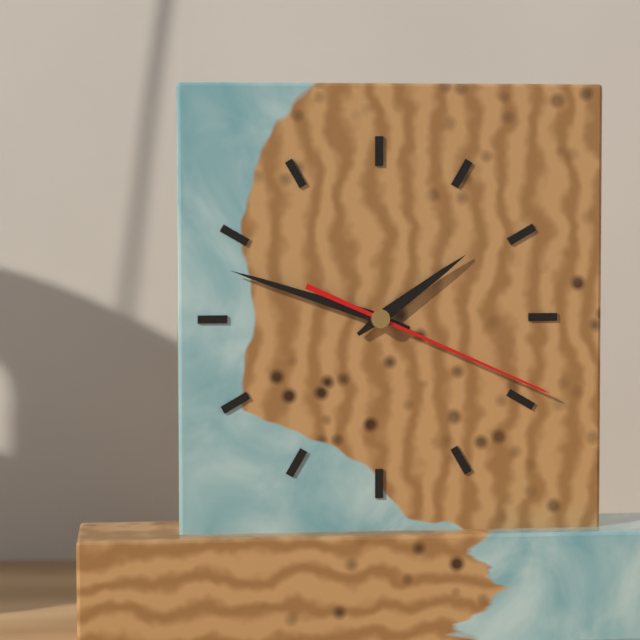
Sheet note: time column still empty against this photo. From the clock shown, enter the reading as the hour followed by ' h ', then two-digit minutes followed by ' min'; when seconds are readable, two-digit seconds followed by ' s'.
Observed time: 1 h 48 min 19 s
